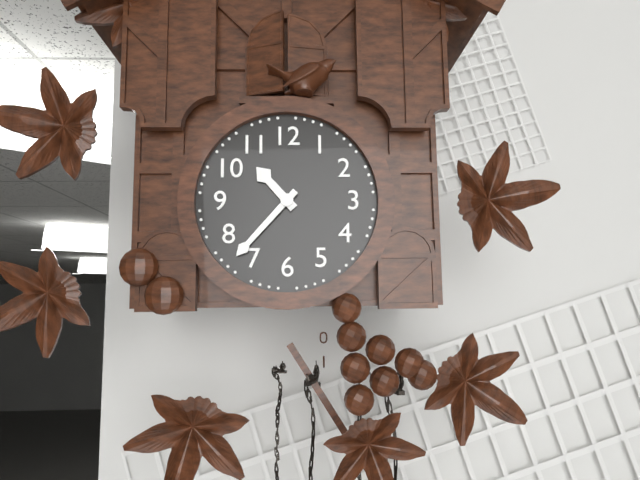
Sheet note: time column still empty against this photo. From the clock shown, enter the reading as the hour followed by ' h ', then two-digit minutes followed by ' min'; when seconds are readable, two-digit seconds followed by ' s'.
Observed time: 10 h 37 min
